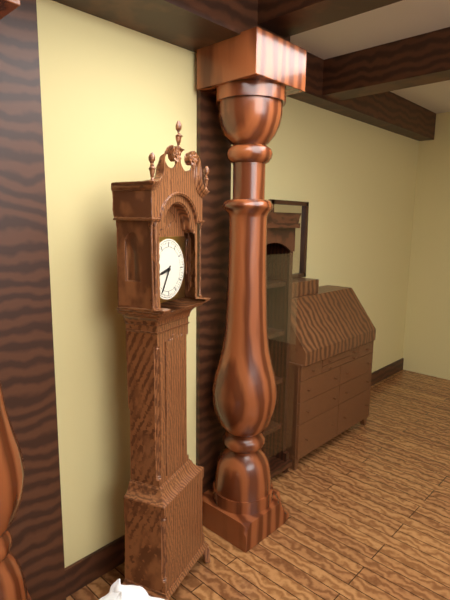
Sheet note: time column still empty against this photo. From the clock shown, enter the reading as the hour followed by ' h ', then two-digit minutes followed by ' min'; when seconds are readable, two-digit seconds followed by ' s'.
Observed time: 8 h 35 min
